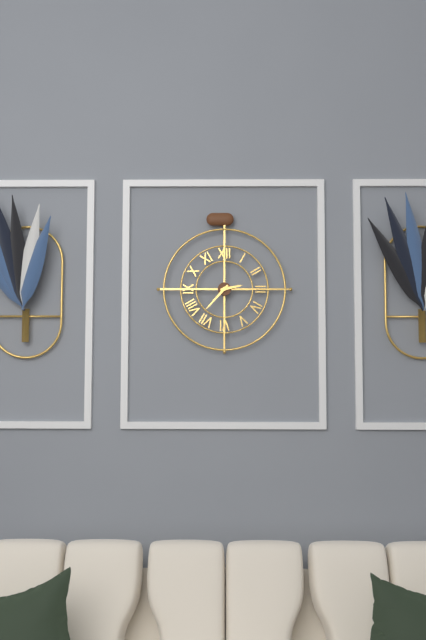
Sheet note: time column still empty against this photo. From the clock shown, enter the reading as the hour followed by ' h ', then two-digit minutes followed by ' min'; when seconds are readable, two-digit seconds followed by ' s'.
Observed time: 2 h 37 min
